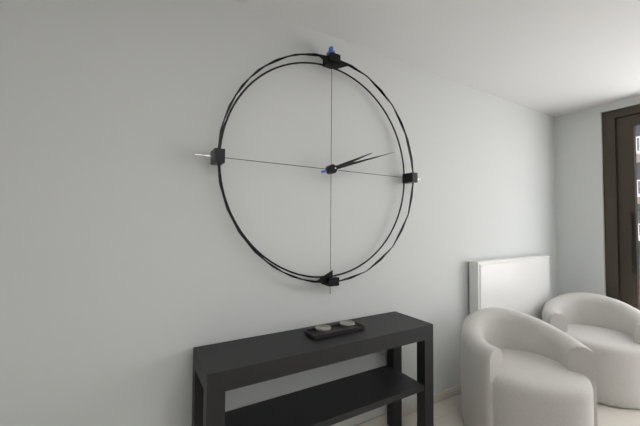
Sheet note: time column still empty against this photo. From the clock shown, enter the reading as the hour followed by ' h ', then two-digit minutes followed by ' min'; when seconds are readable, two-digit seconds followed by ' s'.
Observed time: 2 h 12 min
